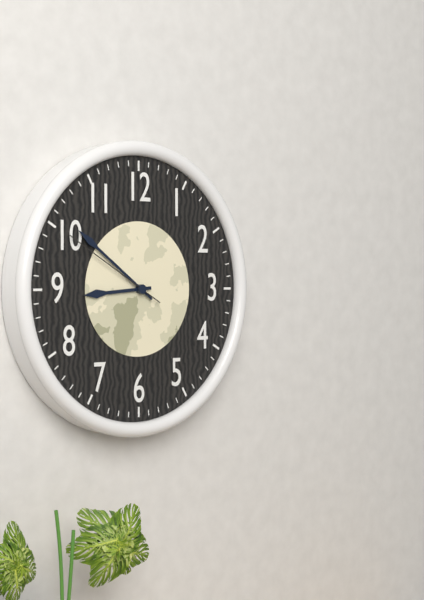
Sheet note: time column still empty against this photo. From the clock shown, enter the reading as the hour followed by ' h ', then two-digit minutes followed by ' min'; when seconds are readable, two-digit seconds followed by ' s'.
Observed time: 8 h 51 min 50 s
